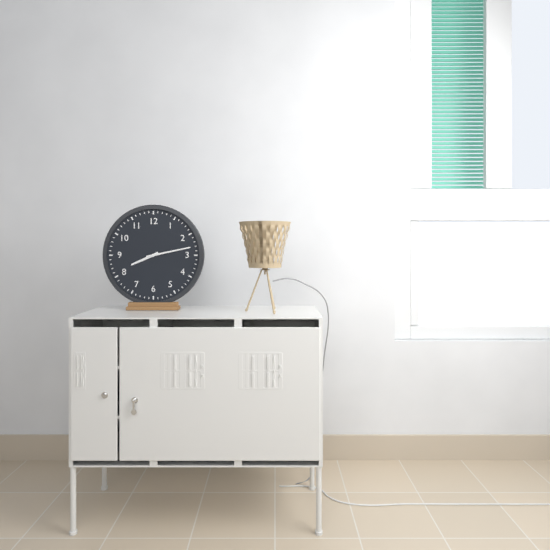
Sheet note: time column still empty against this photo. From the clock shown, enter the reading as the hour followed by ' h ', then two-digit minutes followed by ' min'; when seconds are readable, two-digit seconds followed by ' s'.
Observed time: 8 h 13 min
